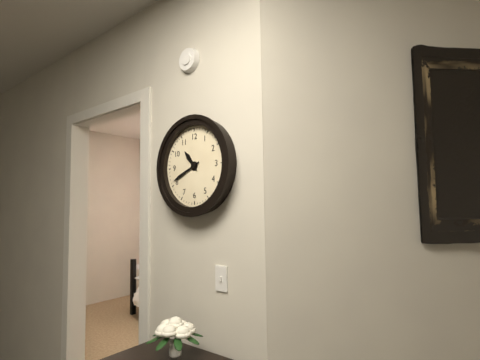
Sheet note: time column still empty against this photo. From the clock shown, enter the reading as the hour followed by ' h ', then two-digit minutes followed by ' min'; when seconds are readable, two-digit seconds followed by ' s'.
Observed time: 10 h 41 min
